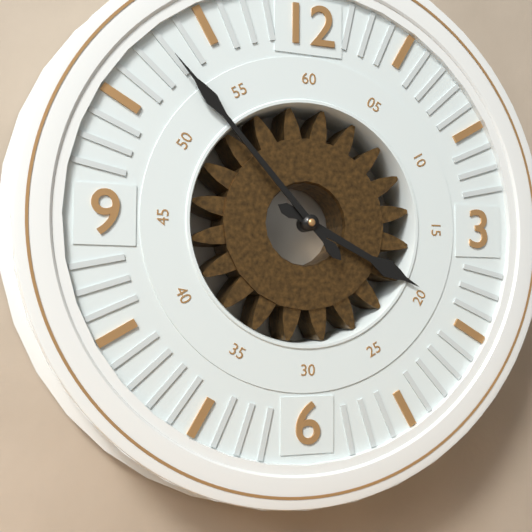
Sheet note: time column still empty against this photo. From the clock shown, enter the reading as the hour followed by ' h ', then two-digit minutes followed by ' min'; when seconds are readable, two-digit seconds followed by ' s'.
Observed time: 3 h 53 min
